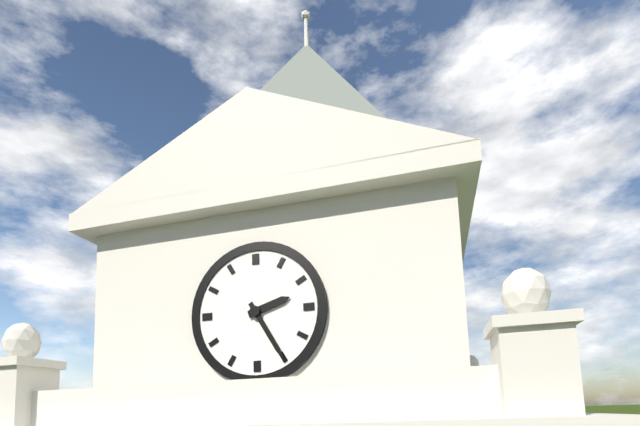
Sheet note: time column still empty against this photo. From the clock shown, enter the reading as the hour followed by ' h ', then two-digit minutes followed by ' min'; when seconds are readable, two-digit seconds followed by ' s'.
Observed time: 2 h 25 min
